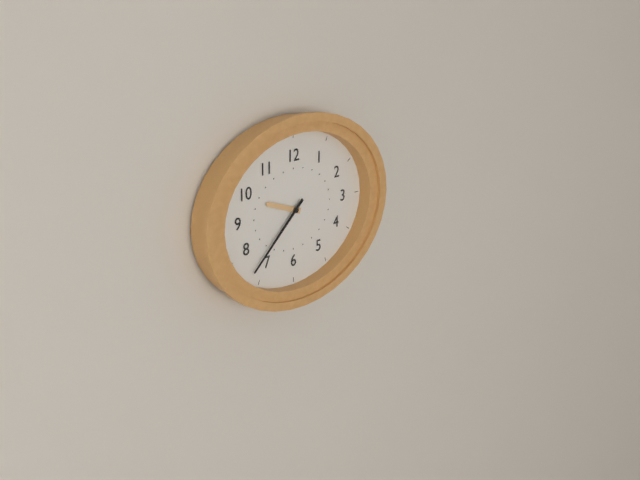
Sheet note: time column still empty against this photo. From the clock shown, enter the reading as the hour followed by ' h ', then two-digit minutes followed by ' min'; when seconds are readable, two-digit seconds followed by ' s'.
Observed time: 9 h 38 min
